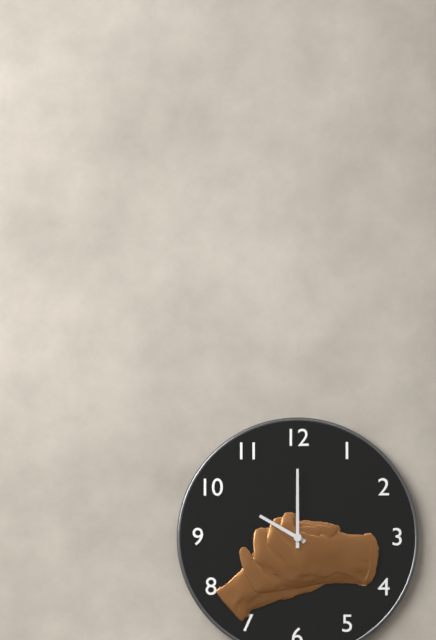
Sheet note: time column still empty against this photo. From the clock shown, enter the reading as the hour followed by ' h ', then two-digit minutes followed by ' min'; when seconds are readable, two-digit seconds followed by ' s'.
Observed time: 10 h 00 min
